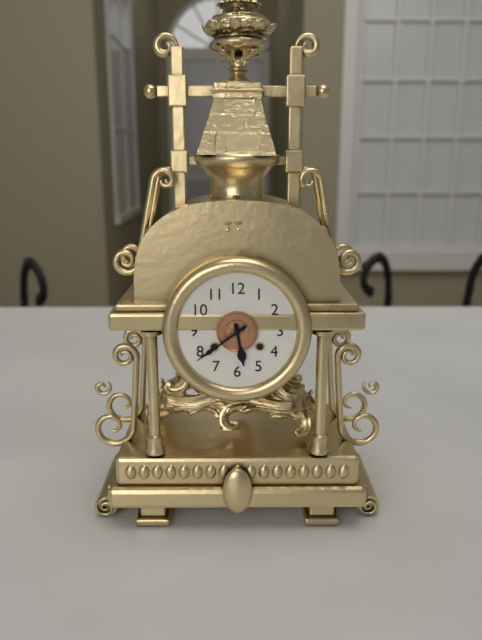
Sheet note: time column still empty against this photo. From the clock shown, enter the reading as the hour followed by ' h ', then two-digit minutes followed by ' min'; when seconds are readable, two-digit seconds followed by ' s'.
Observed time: 5 h 39 min
